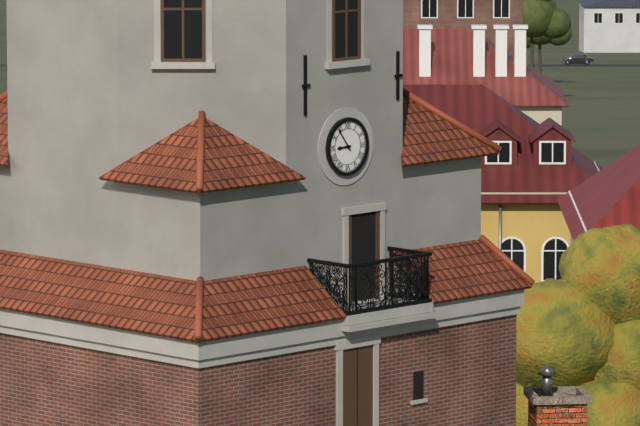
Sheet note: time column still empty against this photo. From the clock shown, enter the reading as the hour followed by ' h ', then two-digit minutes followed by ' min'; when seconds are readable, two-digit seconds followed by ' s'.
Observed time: 8 h 54 min
